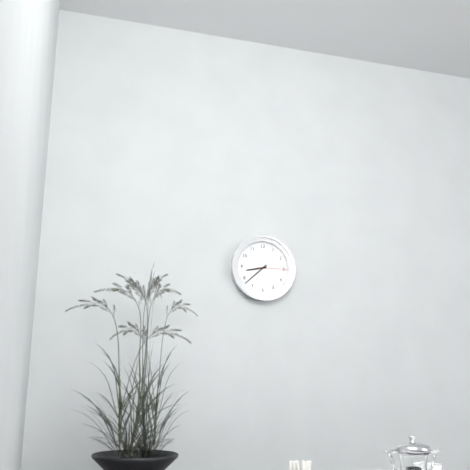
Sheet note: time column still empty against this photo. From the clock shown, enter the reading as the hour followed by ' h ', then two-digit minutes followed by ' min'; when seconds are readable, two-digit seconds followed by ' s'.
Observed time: 8 h 38 min
